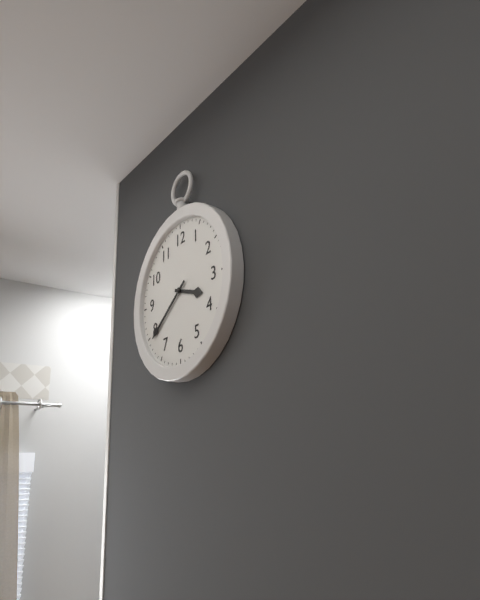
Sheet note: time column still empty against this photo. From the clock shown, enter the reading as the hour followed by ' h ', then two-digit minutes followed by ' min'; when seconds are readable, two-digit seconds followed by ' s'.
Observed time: 3 h 39 min
